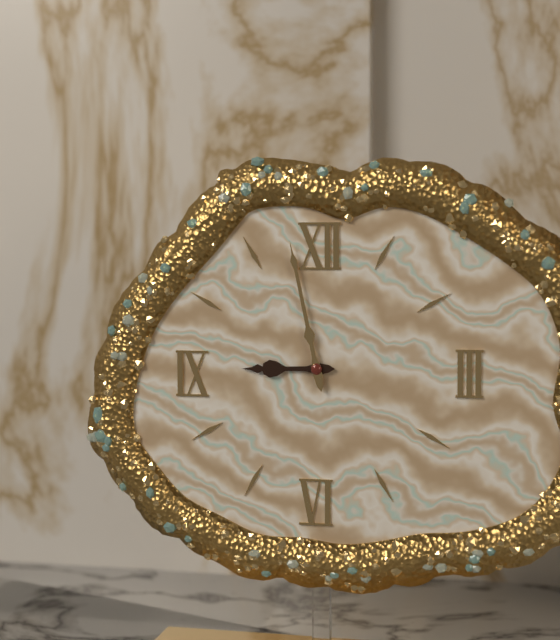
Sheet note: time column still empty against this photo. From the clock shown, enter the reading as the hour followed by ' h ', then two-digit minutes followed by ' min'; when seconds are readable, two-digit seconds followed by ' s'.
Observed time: 8 h 58 min
